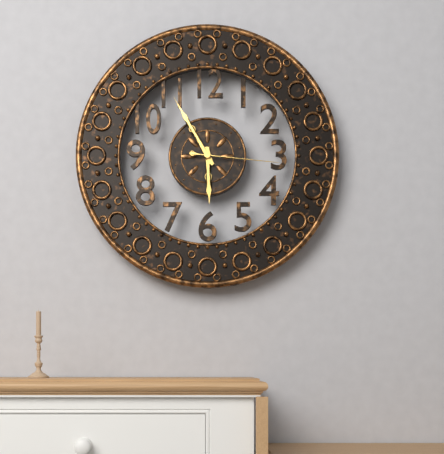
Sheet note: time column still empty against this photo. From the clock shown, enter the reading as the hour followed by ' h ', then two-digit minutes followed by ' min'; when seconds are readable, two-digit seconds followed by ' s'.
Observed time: 5 h 55 min 16 s
